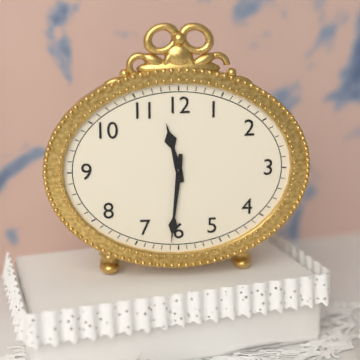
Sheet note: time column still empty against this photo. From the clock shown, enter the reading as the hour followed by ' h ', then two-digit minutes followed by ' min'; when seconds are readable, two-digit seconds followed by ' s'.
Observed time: 11 h 31 min
